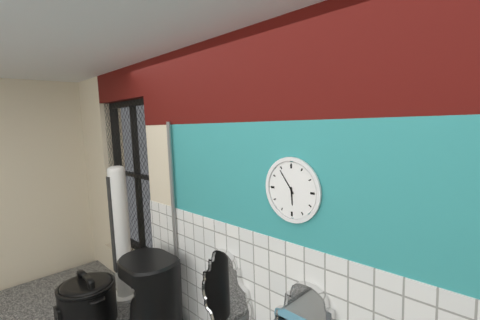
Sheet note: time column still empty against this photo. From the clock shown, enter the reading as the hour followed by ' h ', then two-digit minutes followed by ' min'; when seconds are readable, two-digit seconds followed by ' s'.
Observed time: 5 h 54 min
